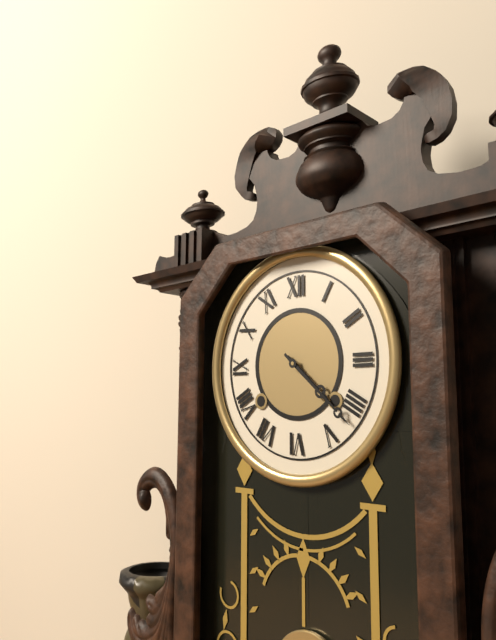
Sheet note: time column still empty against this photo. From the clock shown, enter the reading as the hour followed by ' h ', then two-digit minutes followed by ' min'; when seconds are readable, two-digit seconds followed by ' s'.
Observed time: 4 h 22 min
